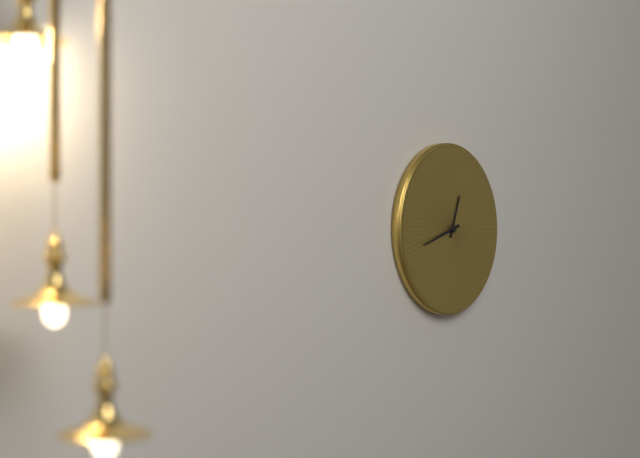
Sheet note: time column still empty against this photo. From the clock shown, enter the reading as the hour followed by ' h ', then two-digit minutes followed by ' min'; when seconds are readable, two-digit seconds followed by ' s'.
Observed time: 12 h 42 min
